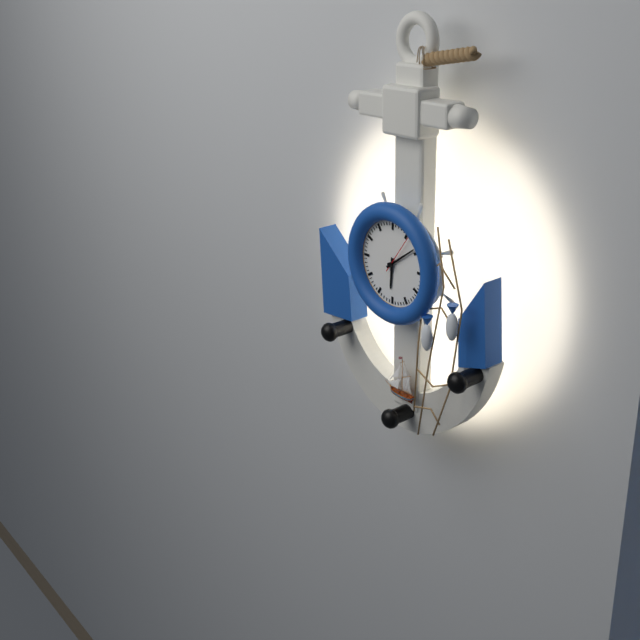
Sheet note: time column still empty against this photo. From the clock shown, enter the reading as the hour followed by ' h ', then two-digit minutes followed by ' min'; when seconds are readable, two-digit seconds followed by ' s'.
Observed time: 6 h 09 min
